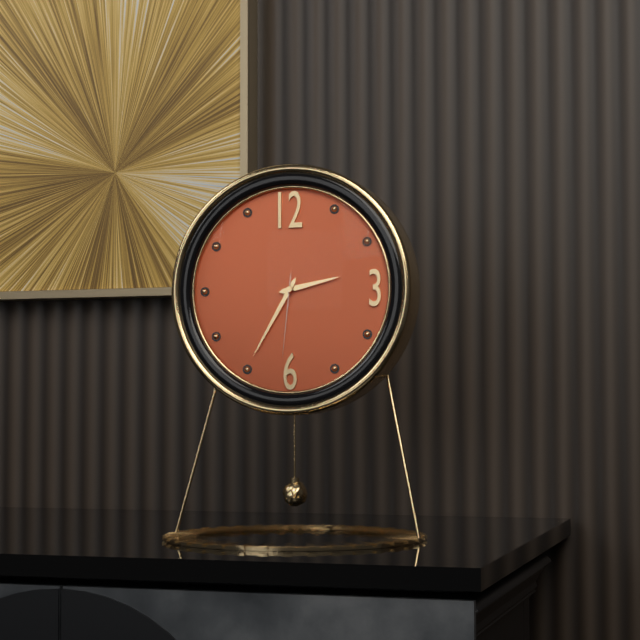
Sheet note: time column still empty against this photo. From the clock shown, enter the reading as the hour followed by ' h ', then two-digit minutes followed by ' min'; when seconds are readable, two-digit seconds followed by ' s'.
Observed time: 2 h 35 min 31 s
